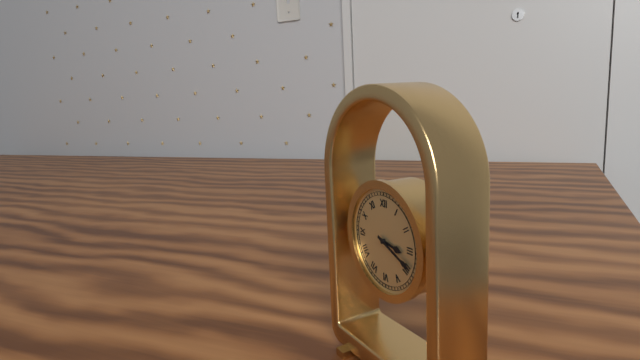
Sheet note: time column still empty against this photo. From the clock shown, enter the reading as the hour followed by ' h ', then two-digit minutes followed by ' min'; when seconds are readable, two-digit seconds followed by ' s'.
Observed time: 3 h 19 min
